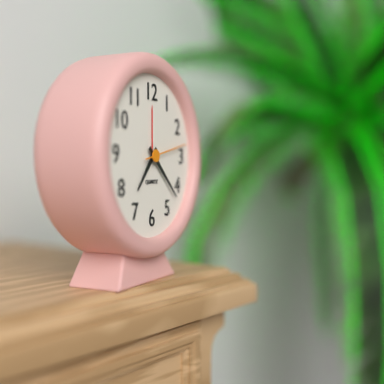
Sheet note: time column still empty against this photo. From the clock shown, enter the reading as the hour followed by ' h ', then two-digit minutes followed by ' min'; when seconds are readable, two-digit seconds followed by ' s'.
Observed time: 7 h 22 min
